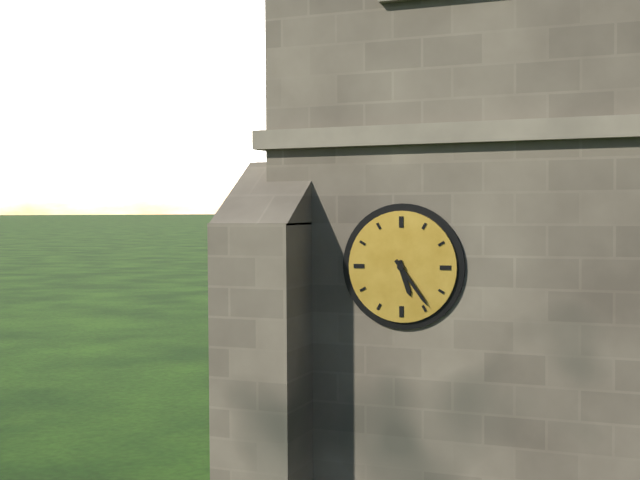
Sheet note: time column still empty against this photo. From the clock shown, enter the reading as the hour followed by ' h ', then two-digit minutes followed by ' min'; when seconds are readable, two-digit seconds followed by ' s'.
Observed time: 5 h 24 min
